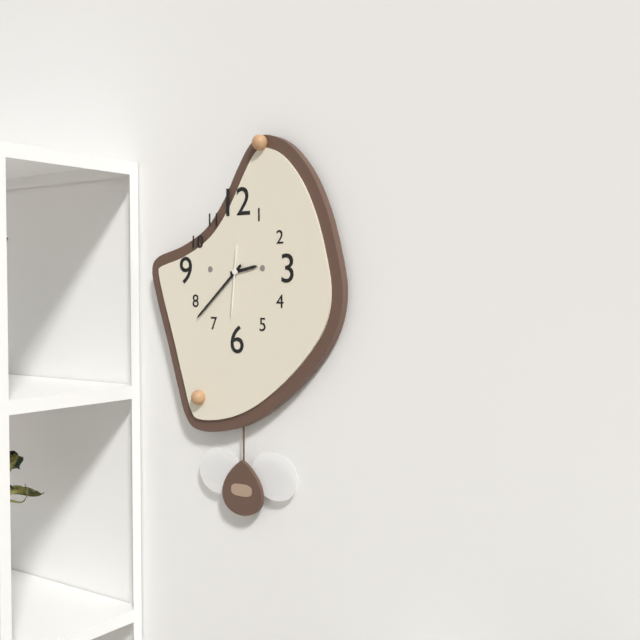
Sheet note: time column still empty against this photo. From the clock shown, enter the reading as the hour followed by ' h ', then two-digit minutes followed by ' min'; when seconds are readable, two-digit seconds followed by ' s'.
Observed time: 2 h 38 min 31 s
